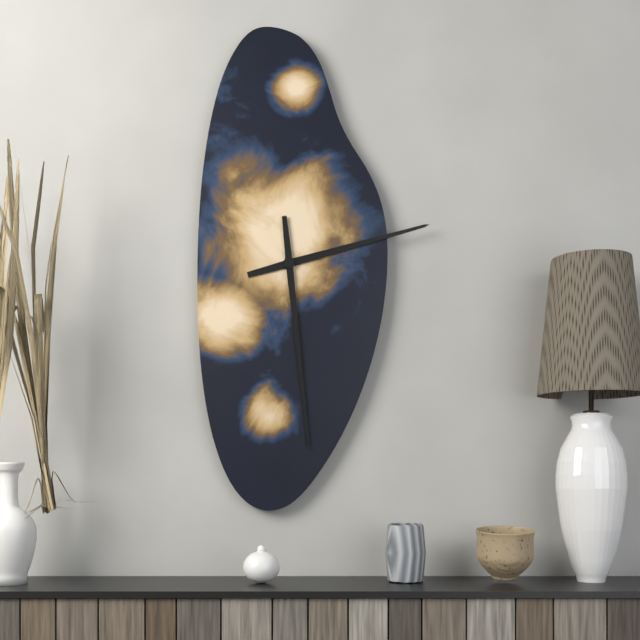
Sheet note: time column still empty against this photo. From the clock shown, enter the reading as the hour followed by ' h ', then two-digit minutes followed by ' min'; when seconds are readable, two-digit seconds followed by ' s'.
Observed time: 2 h 29 min
